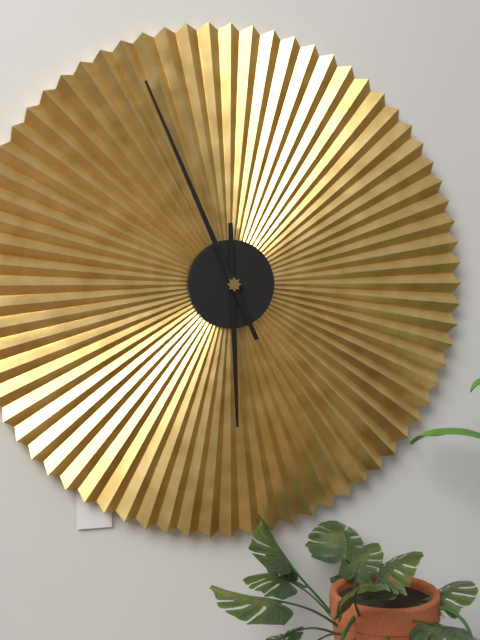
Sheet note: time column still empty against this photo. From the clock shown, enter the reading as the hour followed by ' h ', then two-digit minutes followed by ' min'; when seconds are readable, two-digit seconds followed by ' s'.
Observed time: 5 h 56 min
